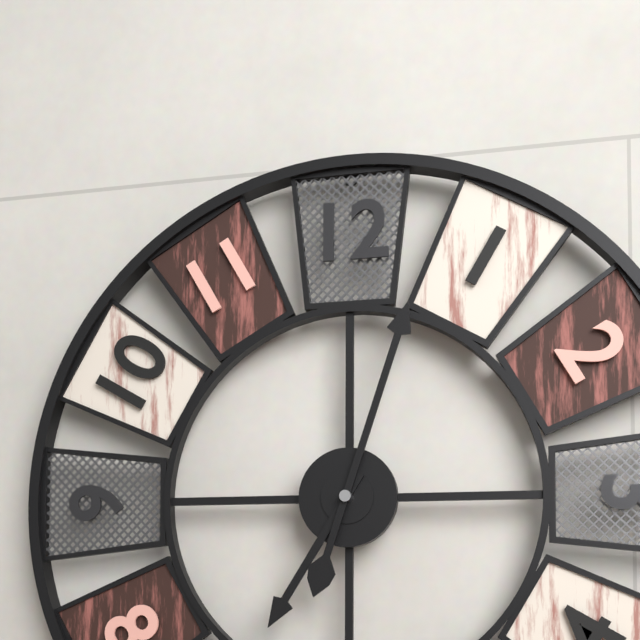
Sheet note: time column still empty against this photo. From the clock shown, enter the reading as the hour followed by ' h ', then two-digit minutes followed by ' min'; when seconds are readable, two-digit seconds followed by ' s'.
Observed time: 7 h 03 min
